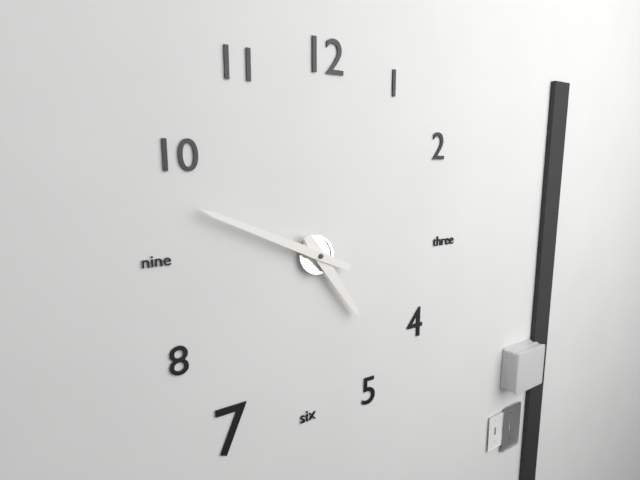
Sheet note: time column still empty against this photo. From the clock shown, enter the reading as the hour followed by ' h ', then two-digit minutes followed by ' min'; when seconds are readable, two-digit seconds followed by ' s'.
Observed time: 4 h 49 min
